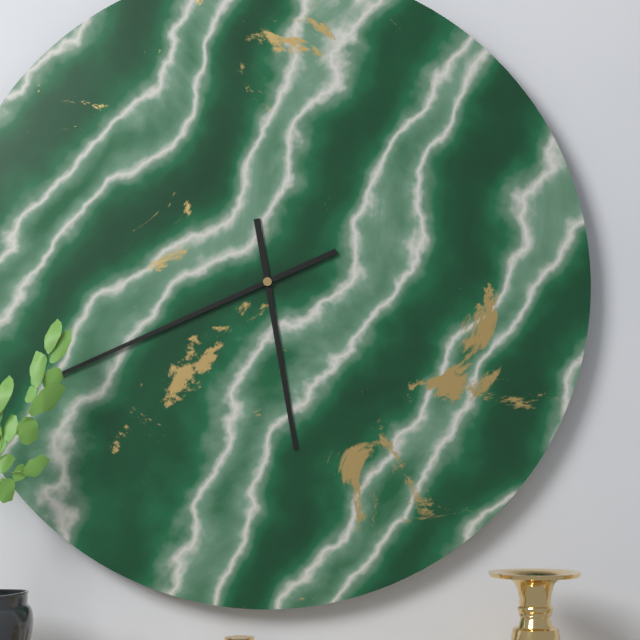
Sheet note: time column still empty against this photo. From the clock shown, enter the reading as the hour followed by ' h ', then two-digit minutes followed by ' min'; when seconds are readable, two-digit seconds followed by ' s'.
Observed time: 5 h 41 min
